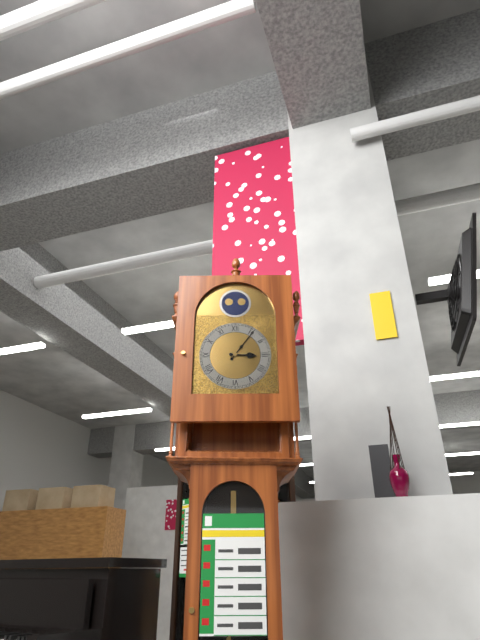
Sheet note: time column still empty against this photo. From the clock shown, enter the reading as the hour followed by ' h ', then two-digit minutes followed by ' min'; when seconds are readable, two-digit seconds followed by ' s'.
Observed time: 3 h 06 min
